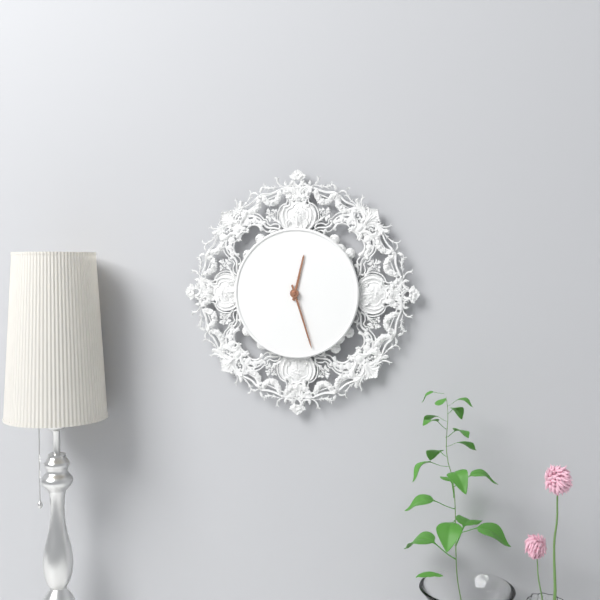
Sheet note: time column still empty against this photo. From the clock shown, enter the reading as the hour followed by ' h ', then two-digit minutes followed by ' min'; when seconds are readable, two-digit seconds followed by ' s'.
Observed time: 12 h 27 min
